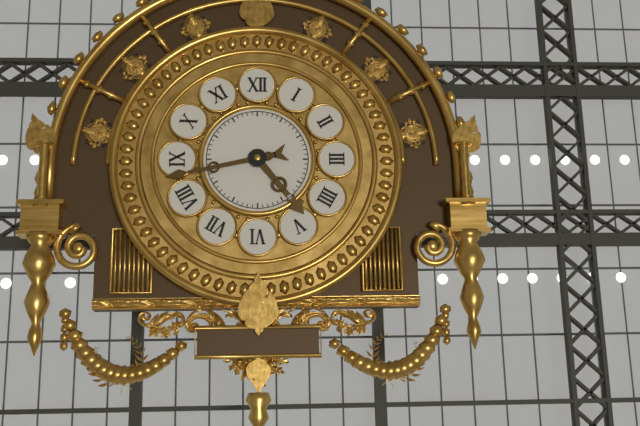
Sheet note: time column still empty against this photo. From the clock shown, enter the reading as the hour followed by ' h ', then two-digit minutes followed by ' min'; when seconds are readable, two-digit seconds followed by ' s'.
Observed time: 4 h 43 min
